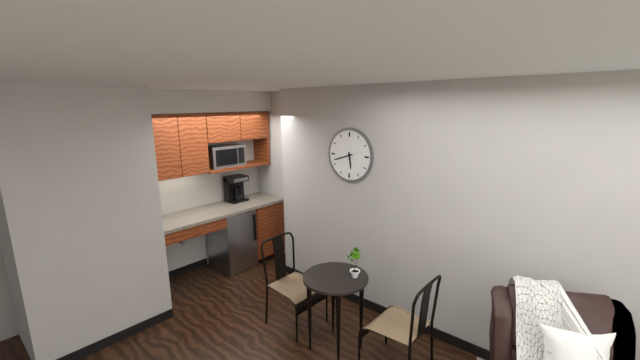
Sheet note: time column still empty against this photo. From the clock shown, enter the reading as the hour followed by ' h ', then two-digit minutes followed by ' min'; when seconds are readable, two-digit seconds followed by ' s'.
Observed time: 5 h 42 min
